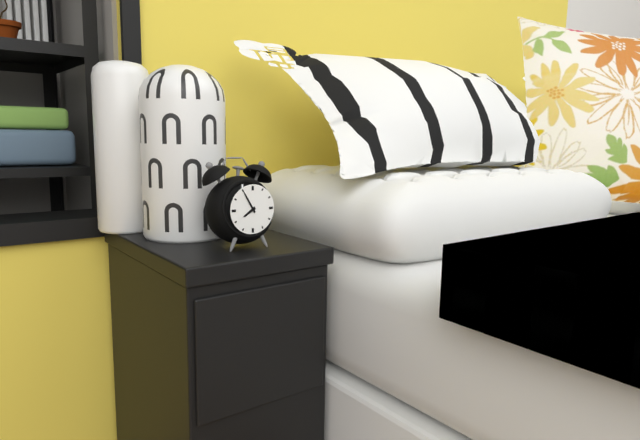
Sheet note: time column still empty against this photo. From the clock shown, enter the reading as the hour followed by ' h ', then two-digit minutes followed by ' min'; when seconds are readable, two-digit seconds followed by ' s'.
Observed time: 7 h 55 min
